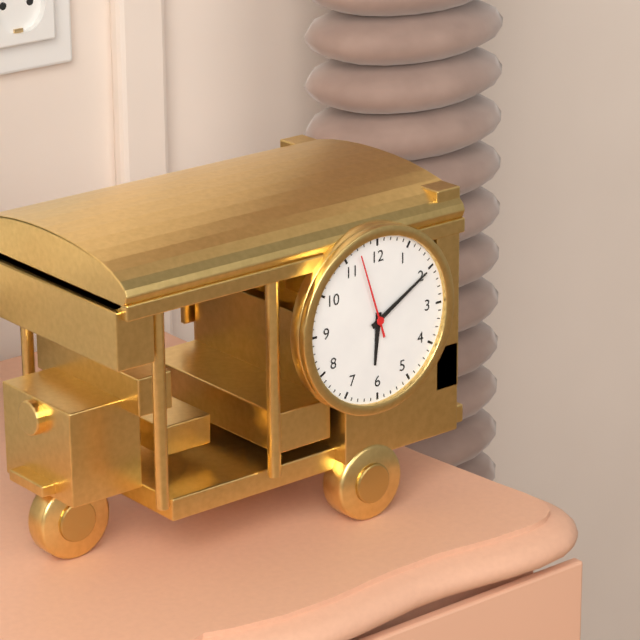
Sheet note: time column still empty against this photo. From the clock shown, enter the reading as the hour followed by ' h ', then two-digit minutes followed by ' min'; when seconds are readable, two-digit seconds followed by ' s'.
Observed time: 6 h 10 min 57 s
